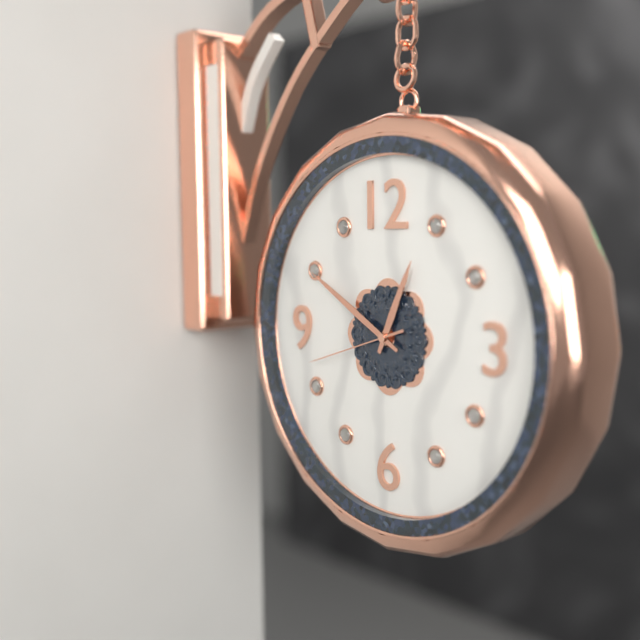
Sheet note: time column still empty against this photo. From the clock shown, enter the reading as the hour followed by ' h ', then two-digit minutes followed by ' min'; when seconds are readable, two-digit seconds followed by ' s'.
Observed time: 12 h 50 min 42 s
